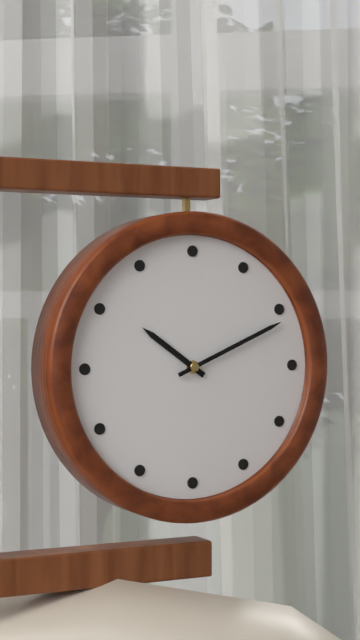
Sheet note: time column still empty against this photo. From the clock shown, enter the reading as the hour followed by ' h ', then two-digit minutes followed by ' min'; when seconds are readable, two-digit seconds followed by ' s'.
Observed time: 10 h 11 min
